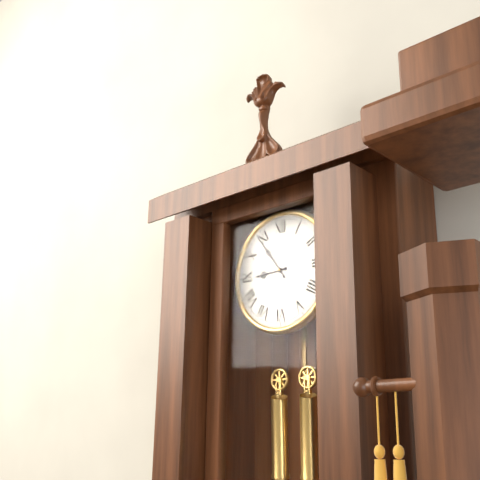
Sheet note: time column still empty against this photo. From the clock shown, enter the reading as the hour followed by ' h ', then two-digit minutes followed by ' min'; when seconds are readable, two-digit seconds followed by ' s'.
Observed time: 8 h 54 min
